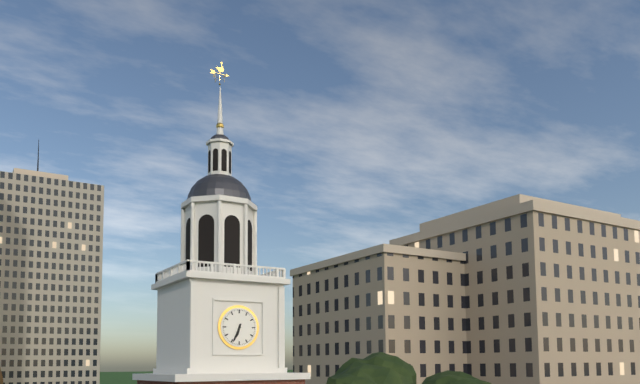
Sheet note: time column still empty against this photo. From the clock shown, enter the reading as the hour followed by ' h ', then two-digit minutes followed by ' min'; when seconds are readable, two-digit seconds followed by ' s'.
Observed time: 6 h 34 min
